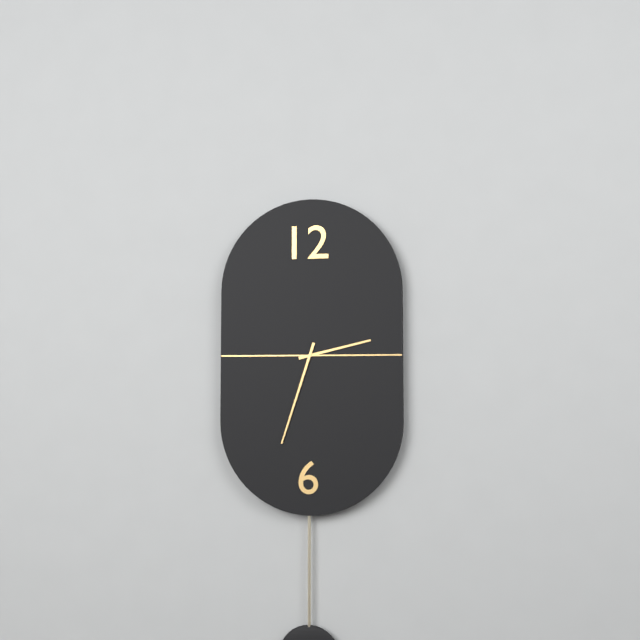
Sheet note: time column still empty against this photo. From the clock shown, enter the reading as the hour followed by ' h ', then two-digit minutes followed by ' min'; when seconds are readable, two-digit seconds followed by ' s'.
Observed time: 2 h 33 min
